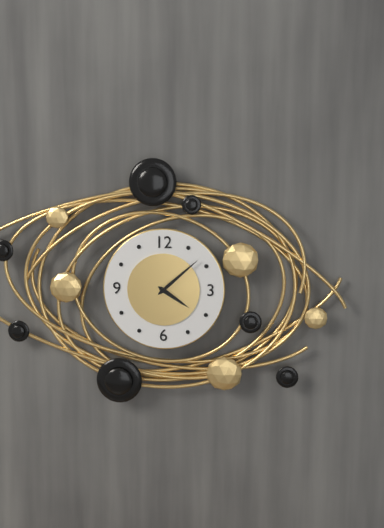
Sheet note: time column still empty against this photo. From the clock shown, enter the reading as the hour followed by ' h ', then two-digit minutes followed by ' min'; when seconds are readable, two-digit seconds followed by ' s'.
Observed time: 4 h 08 min
